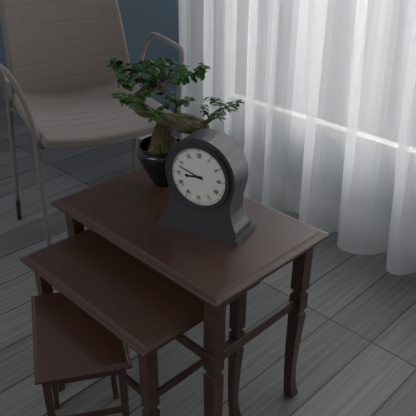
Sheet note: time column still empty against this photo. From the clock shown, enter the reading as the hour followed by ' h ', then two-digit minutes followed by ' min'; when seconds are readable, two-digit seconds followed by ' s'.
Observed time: 8 h 48 min
